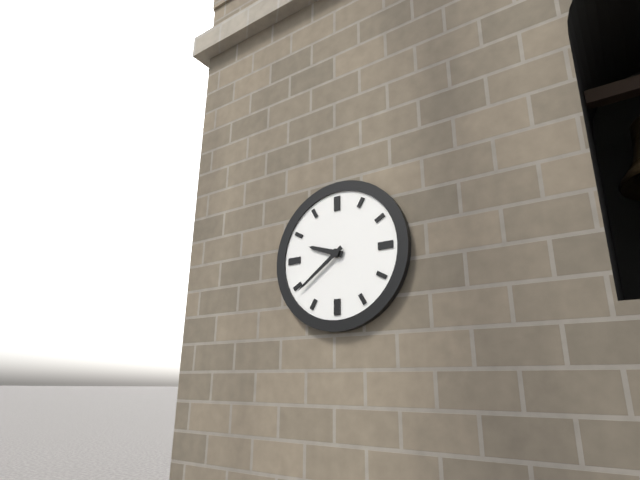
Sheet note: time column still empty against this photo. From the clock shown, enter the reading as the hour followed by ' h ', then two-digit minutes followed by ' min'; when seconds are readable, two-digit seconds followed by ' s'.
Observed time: 9 h 39 min
